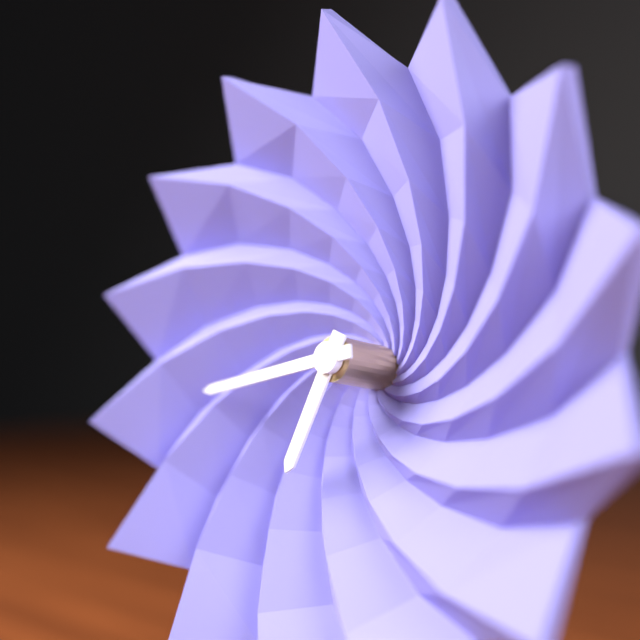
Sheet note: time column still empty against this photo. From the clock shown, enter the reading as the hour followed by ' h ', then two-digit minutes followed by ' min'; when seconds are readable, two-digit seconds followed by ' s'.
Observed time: 6 h 43 min
